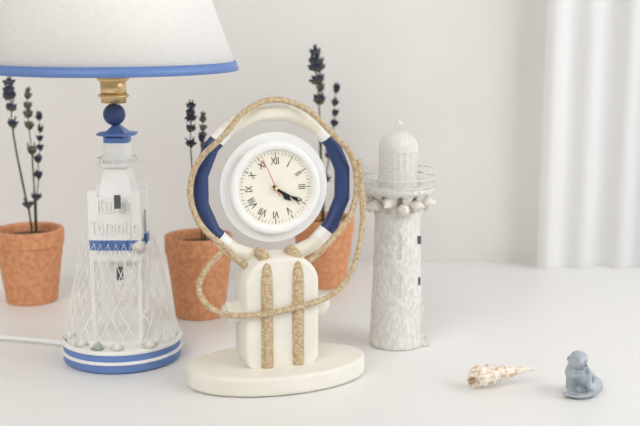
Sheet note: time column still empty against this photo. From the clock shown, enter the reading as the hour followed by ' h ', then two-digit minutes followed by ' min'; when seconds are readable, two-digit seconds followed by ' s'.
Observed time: 4 h 20 min
